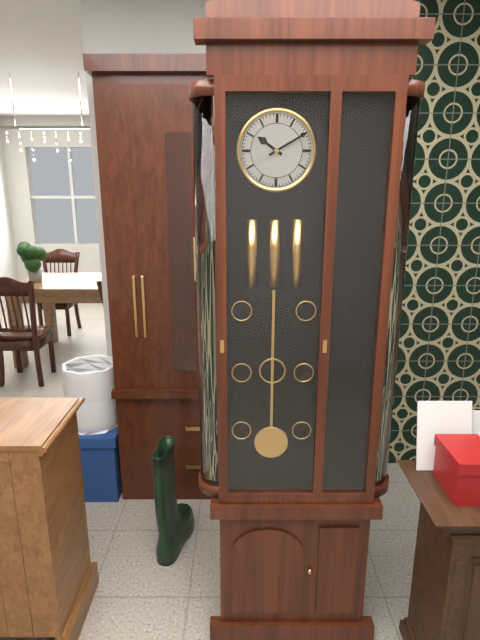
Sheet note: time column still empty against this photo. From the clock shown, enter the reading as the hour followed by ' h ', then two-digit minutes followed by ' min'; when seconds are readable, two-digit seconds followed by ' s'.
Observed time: 10 h 10 min
